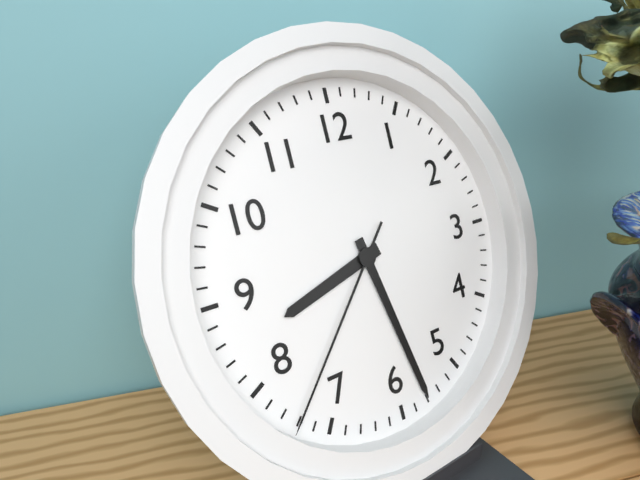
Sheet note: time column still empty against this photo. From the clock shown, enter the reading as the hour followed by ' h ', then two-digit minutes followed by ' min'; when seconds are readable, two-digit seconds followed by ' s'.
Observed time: 8 h 28 min 37 s
